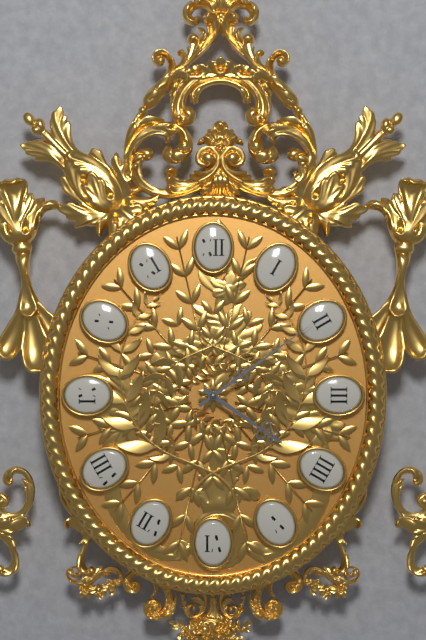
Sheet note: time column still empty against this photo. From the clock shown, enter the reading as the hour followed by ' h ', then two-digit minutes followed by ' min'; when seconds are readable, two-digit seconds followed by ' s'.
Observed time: 4 h 09 min
